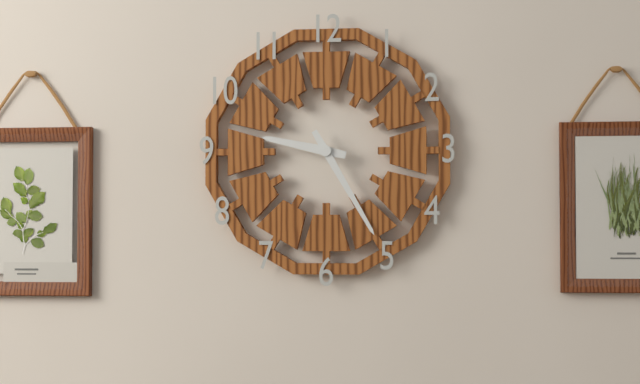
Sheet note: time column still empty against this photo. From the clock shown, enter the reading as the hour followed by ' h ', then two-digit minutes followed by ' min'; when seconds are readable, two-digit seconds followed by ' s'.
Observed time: 9 h 25 min
